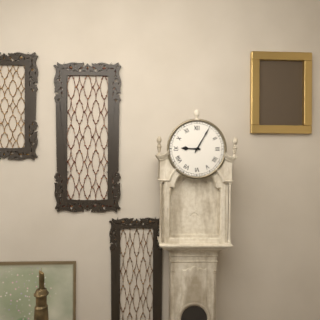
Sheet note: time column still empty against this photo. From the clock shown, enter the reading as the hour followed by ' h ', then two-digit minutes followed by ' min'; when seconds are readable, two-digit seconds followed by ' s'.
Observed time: 9 h 05 min
